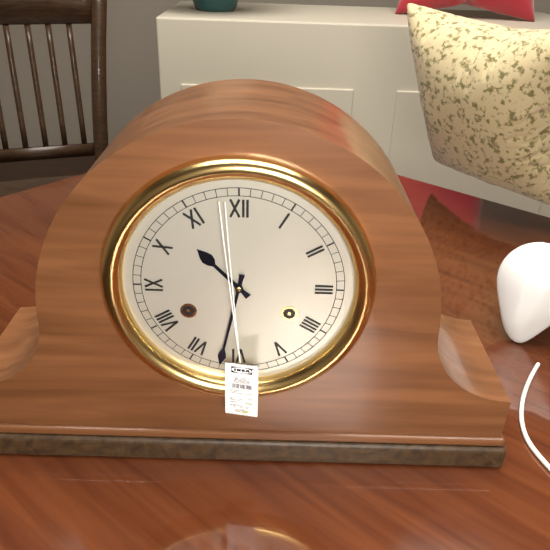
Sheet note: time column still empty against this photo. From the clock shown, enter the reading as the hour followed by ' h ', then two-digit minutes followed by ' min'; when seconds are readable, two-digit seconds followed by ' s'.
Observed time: 10 h 32 min
